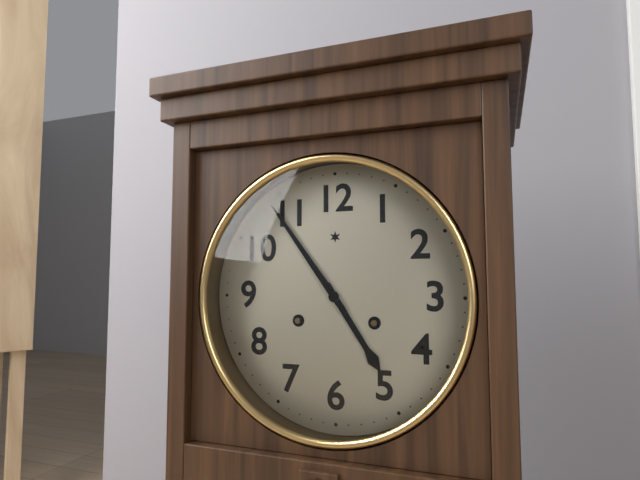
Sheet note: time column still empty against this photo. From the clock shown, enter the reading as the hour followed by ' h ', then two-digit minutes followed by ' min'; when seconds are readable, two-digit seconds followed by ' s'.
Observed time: 4 h 54 min
